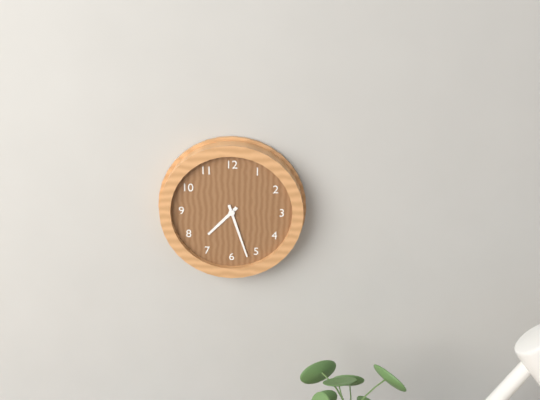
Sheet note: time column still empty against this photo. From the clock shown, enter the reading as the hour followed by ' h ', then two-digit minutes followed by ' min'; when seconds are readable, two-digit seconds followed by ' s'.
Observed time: 7 h 27 min
